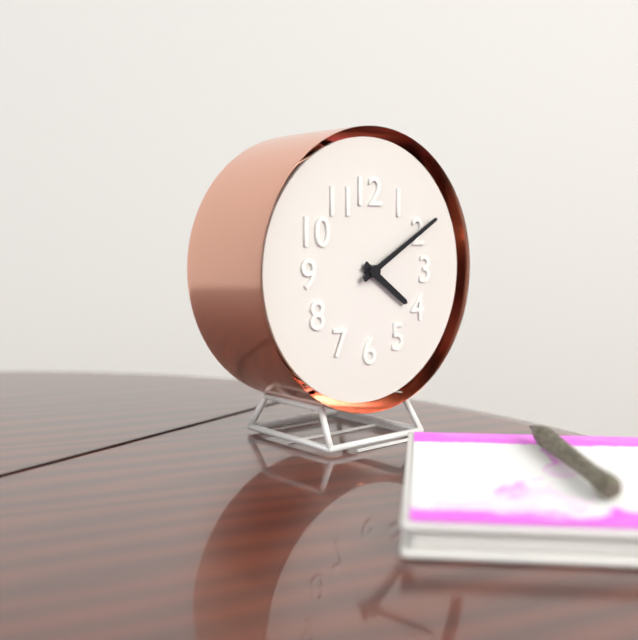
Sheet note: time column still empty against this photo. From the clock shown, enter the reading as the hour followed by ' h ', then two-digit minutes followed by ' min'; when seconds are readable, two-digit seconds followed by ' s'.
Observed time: 4 h 10 min
